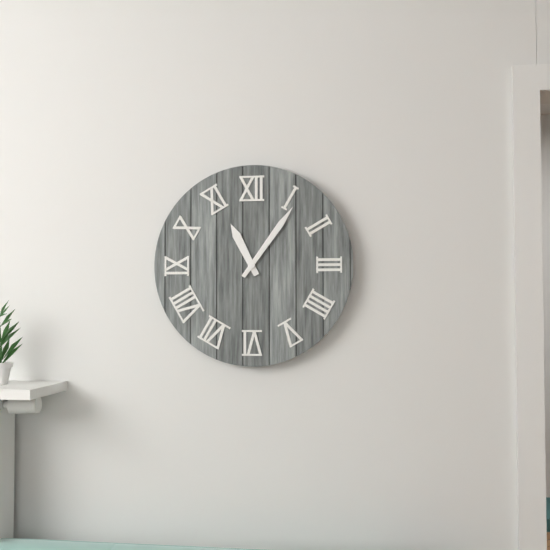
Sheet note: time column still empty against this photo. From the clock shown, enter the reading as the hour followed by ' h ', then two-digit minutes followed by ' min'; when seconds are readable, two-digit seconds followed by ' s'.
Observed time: 11 h 06 min
